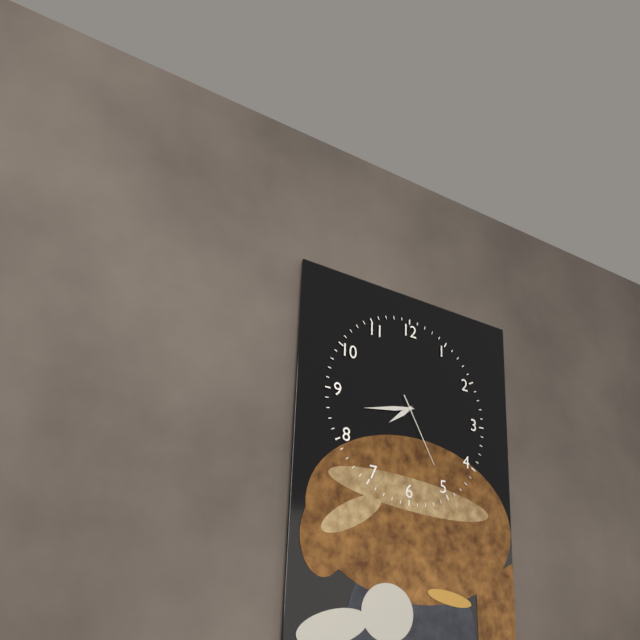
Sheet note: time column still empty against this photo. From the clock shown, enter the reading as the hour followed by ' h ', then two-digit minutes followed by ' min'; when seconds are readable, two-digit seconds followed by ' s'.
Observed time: 7 h 43 min 25 s
